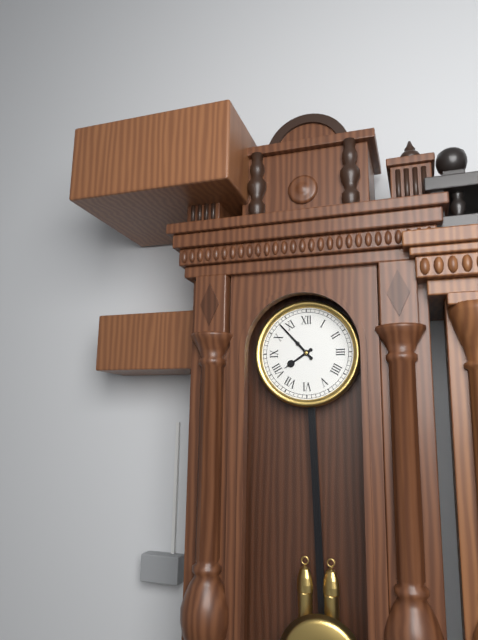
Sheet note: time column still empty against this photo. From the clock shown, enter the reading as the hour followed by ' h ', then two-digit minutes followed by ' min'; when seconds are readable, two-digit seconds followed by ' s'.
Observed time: 7 h 53 min
